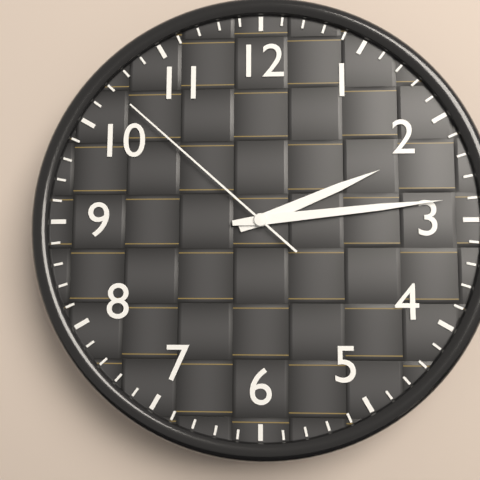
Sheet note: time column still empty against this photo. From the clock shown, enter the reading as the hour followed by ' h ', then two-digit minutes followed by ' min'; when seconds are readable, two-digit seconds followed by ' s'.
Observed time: 2 h 14 min 52 s
